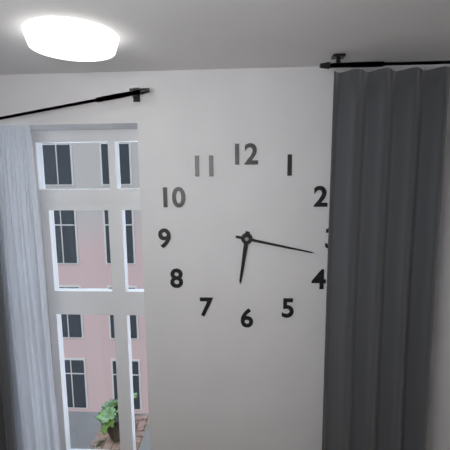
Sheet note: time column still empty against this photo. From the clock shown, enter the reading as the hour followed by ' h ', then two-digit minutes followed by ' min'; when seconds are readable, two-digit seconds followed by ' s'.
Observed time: 6 h 17 min
